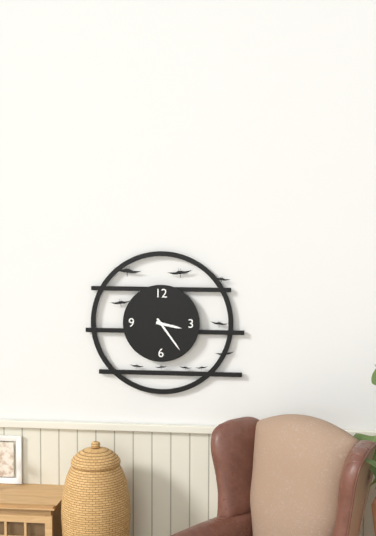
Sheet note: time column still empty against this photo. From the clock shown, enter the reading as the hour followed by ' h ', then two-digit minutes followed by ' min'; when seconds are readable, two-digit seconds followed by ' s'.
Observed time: 3 h 24 min
